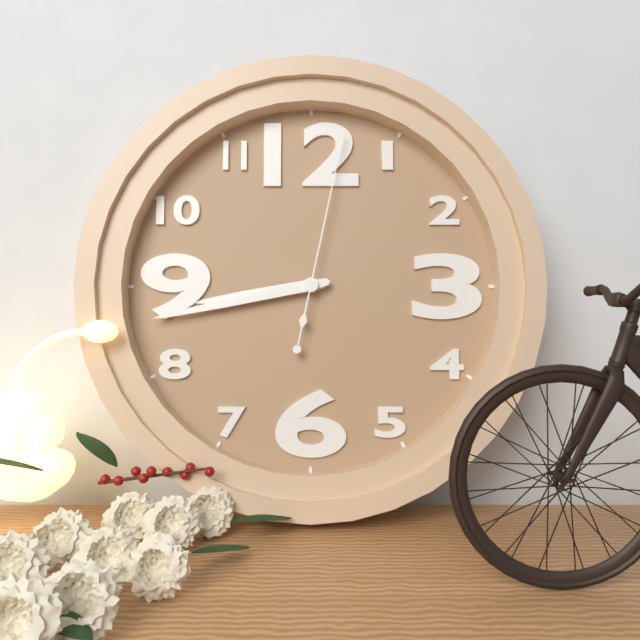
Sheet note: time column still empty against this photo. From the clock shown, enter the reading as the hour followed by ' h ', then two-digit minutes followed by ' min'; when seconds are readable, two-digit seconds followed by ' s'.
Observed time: 8 h 43 min 02 s
